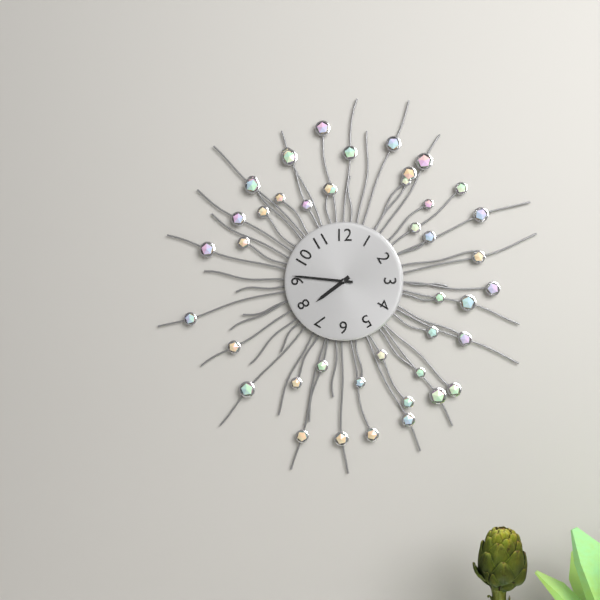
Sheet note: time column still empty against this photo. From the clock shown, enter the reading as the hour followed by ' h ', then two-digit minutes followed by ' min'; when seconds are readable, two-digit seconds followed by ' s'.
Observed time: 7 h 46 min
